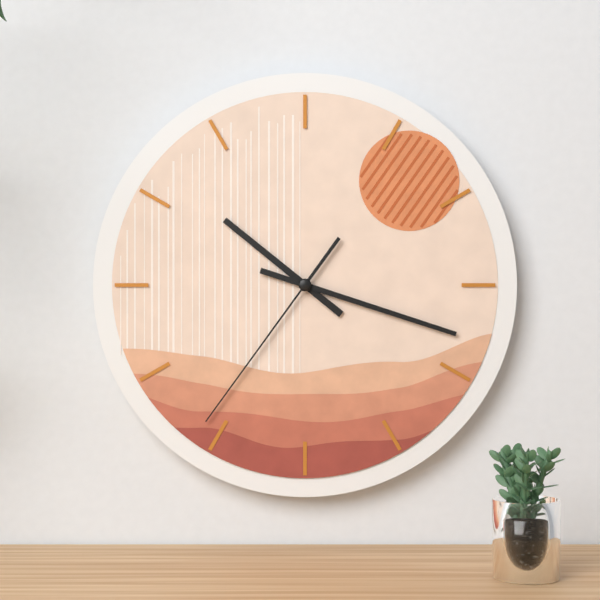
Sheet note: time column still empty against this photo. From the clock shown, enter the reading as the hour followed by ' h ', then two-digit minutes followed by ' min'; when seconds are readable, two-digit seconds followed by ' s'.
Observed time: 10 h 18 min 36 s
